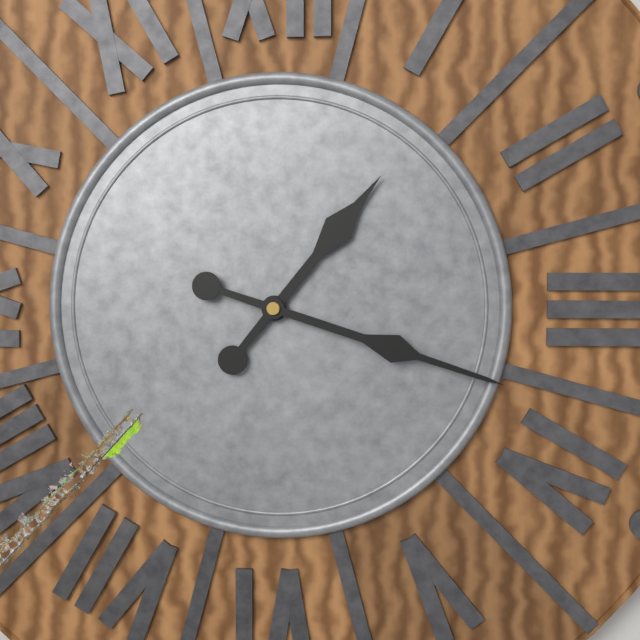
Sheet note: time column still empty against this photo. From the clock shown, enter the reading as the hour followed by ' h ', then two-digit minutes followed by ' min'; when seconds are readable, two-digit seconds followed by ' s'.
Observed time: 1 h 18 min
